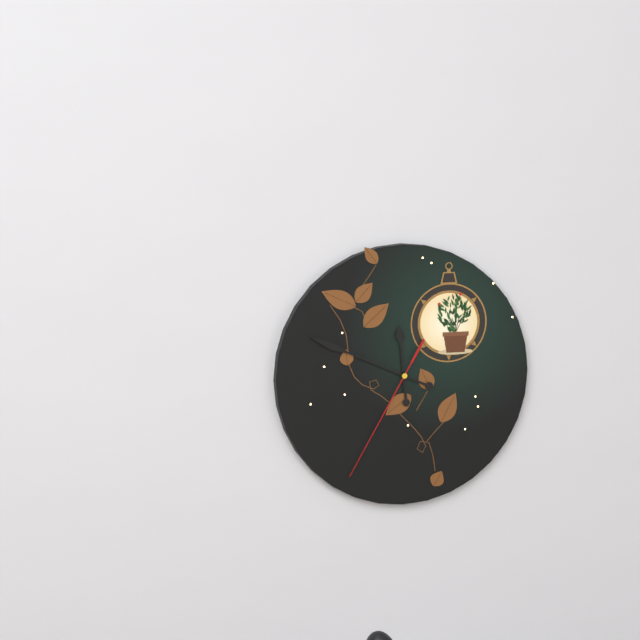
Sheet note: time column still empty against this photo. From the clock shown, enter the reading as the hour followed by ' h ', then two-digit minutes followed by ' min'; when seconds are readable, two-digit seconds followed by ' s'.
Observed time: 11 h 49 min 35 s
